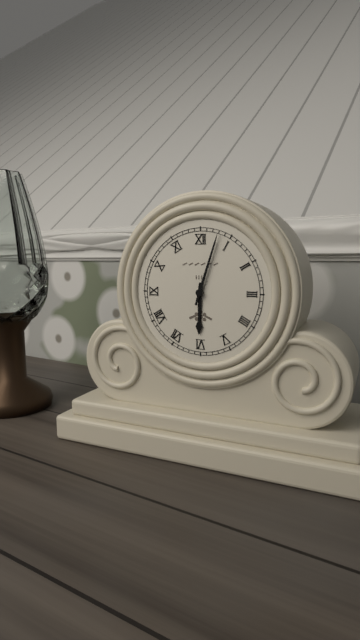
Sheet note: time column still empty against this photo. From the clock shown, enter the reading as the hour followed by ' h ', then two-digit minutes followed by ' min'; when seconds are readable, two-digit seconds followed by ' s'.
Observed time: 6 h 03 min
